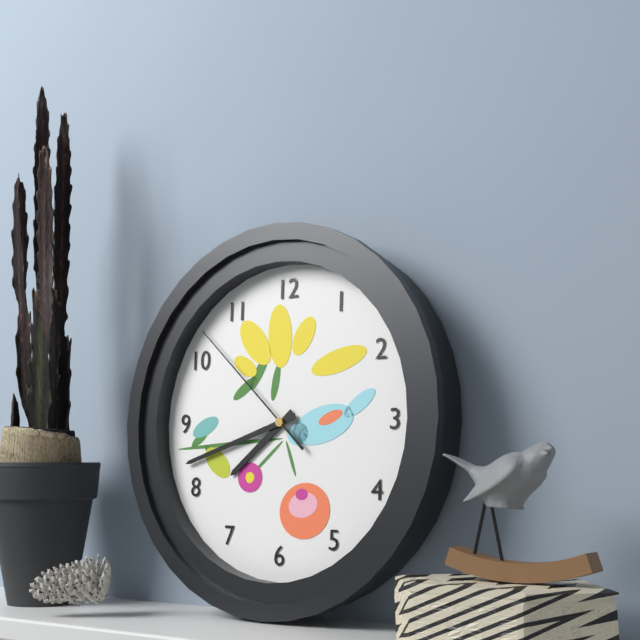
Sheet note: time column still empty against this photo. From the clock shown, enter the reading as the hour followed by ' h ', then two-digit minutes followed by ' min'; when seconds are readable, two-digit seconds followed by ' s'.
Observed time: 7 h 42 min 52 s
